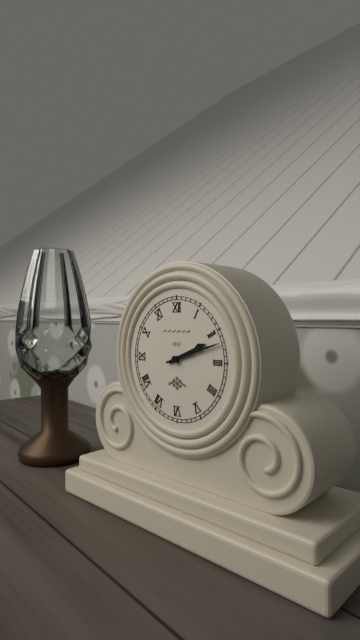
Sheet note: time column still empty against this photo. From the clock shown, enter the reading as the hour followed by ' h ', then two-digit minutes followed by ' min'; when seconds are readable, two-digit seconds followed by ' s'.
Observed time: 2 h 12 min
